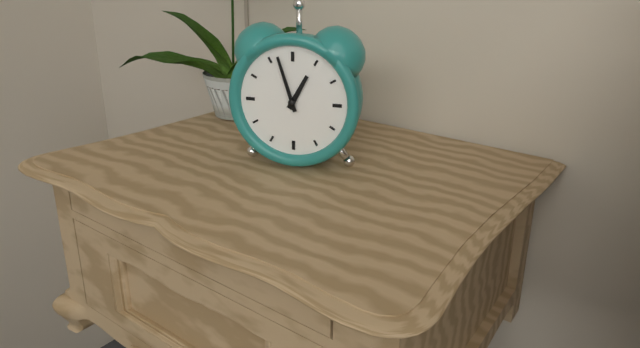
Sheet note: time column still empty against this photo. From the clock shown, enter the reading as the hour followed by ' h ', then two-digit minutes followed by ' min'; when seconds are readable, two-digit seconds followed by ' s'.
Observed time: 12 h 57 min
